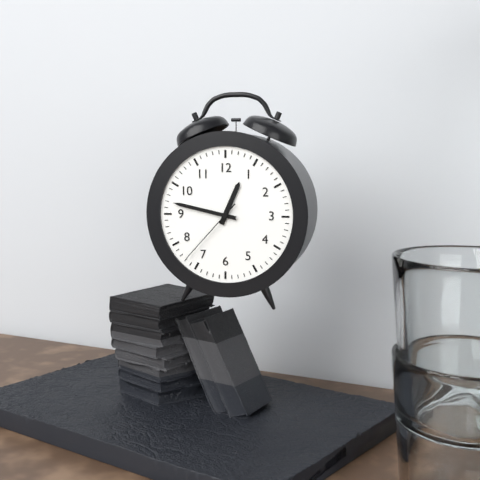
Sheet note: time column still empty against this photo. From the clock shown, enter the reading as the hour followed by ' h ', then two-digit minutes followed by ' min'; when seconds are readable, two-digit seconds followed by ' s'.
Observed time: 12 h 47 min 37 s
